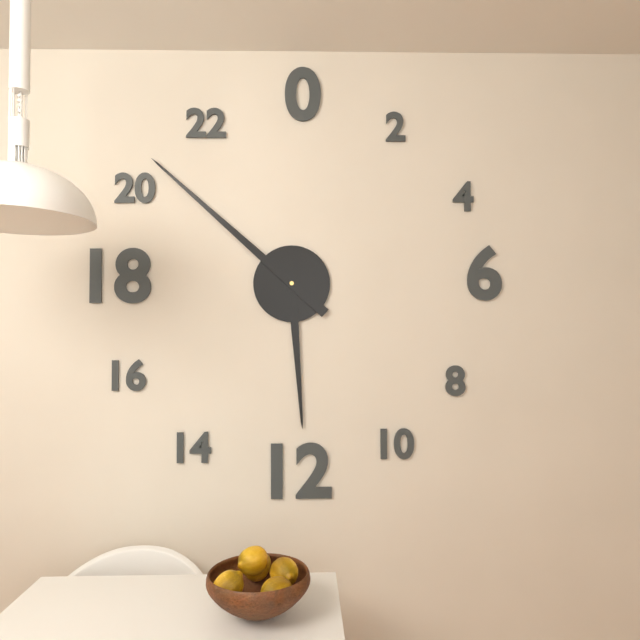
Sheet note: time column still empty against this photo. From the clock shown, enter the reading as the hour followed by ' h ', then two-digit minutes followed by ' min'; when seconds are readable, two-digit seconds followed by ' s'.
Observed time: 5 h 52 min
